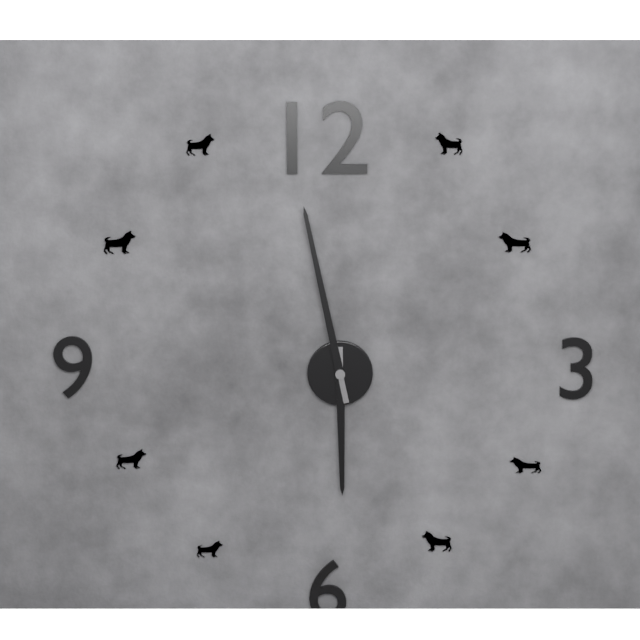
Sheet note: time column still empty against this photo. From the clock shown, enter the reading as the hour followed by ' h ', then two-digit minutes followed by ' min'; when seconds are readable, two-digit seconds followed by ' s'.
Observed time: 5 h 58 min
